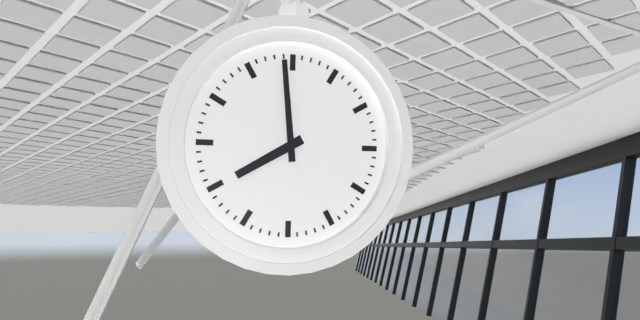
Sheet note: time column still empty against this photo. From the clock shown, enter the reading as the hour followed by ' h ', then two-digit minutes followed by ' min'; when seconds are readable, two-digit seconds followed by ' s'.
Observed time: 7 h 59 min
